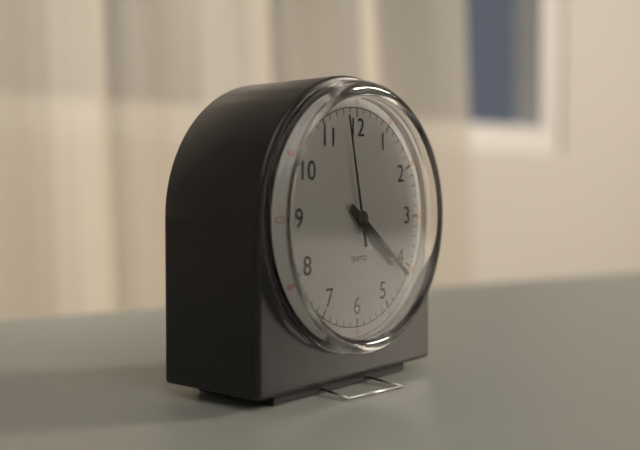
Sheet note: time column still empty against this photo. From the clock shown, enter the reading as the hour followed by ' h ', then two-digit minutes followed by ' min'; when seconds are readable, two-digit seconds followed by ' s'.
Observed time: 4 h 21 min 58 s
